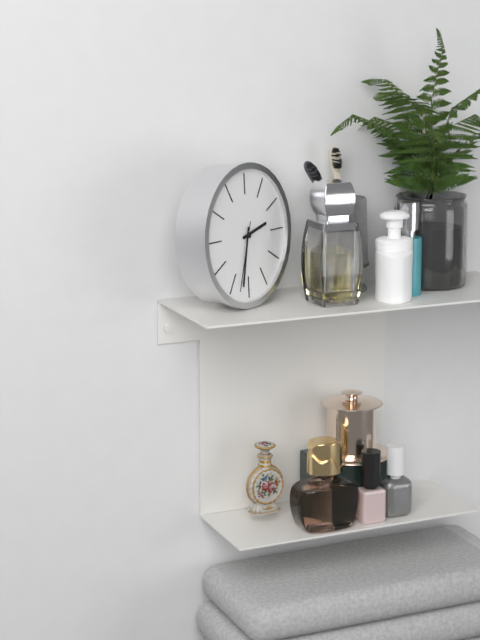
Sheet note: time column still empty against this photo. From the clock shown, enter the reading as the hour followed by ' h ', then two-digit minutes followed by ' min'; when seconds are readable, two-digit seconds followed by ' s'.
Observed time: 2 h 32 min 33 s
